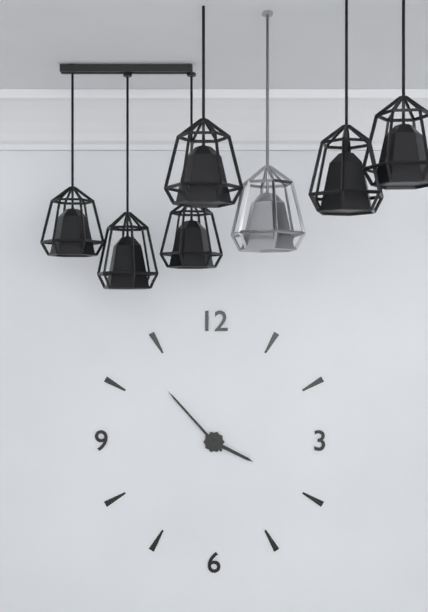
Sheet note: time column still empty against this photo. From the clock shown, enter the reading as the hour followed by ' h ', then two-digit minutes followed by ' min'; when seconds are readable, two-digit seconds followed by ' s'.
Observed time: 3 h 53 min
